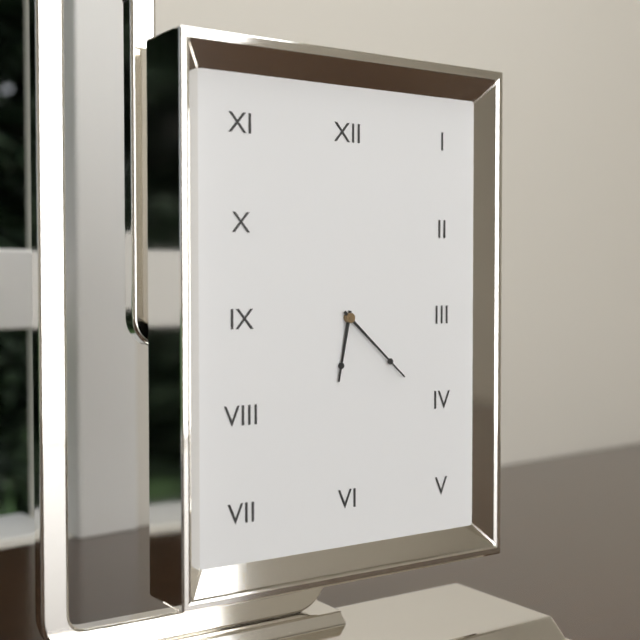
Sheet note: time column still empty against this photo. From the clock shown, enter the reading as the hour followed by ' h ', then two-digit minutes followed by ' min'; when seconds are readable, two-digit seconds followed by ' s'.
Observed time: 6 h 22 min
